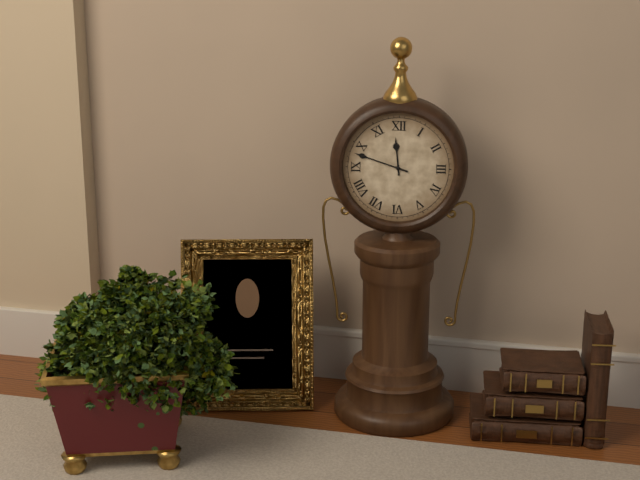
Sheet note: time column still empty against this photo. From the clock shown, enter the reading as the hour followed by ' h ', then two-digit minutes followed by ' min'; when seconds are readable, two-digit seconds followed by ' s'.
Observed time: 11 h 48 min
